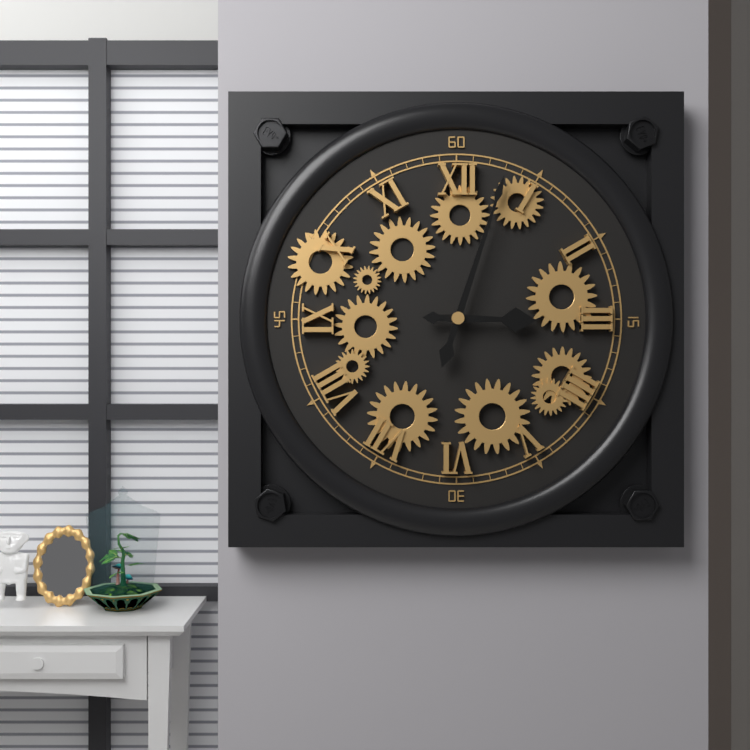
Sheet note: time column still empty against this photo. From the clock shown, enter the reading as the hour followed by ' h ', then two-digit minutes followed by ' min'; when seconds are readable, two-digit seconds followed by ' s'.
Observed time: 3 h 03 min
